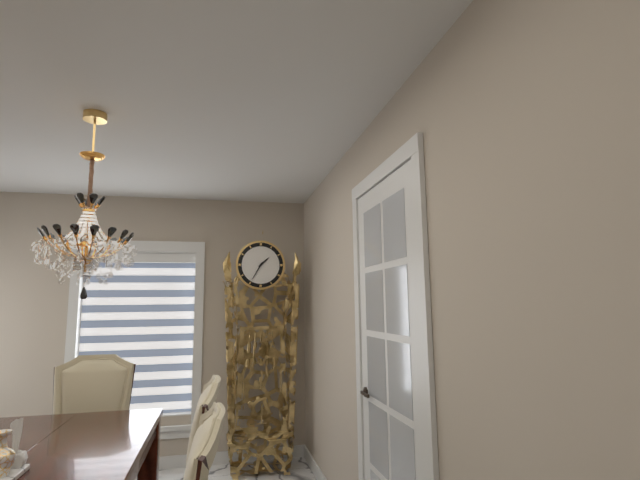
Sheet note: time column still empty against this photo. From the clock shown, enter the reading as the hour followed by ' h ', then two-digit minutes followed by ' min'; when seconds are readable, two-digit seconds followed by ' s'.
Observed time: 1 h 35 min
